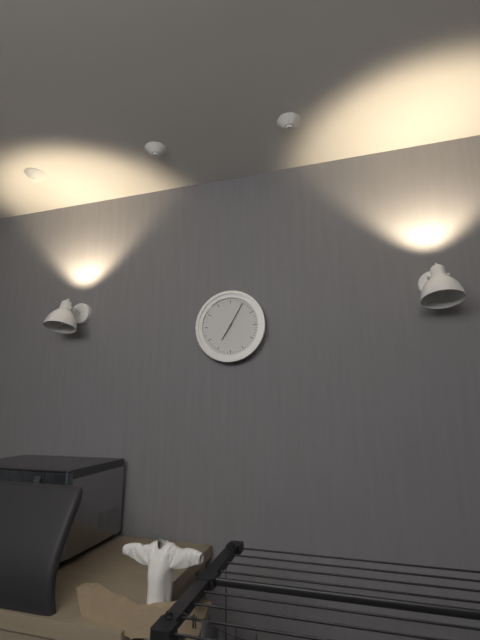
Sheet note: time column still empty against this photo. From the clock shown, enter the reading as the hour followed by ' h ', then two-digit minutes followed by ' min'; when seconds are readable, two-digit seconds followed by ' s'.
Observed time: 7 h 05 min
